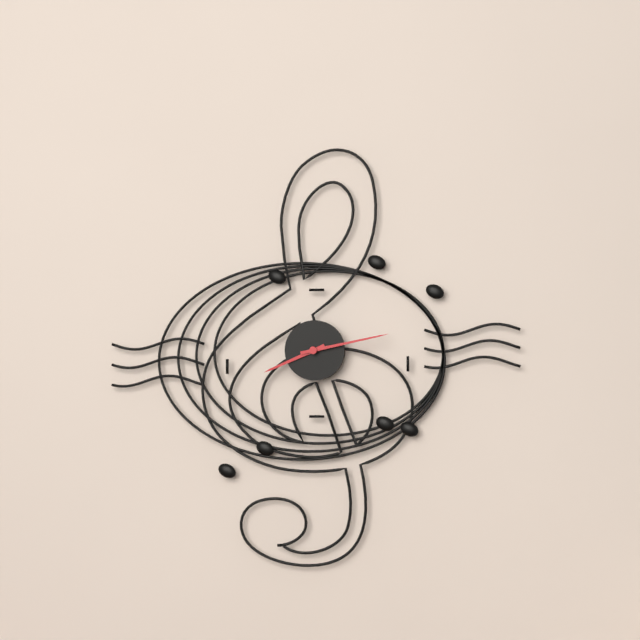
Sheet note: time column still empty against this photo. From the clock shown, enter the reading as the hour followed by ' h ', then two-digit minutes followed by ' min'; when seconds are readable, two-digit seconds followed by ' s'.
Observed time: 8 h 13 min
